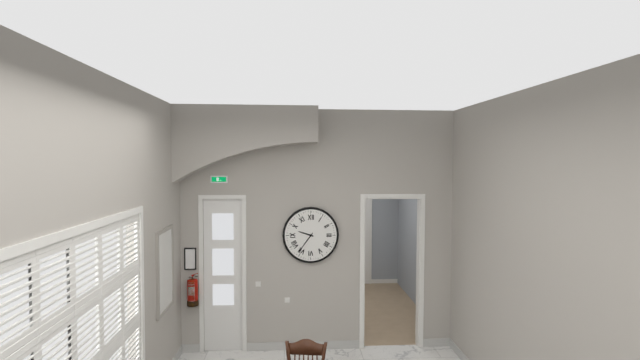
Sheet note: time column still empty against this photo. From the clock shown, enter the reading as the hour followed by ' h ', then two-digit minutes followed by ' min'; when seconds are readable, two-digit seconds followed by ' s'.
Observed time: 9 h 36 min
